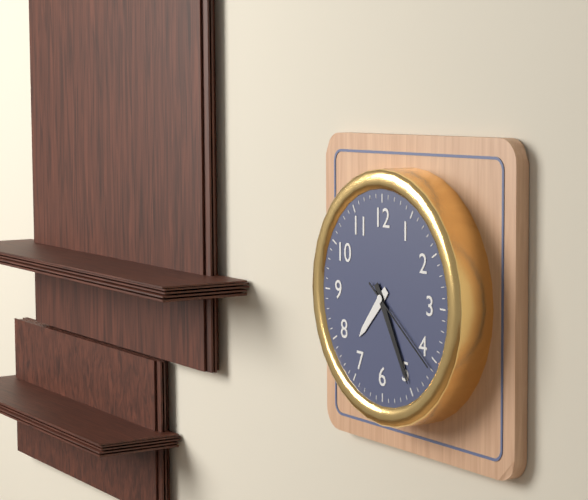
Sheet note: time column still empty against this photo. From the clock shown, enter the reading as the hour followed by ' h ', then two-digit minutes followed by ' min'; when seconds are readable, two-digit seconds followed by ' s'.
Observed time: 7 h 25 min 21 s
